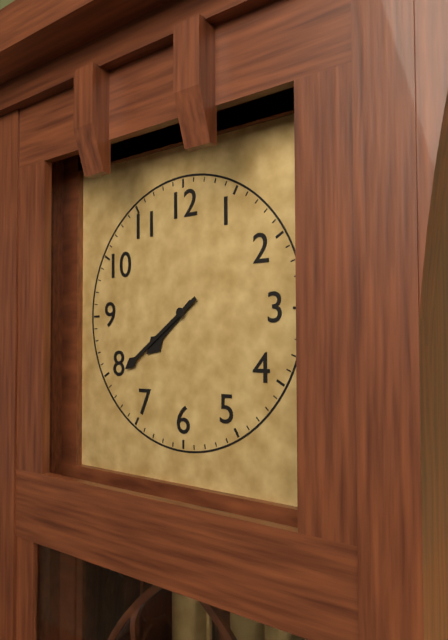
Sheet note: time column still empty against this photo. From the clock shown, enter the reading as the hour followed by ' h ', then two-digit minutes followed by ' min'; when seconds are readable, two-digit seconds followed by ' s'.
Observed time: 7 h 39 min
